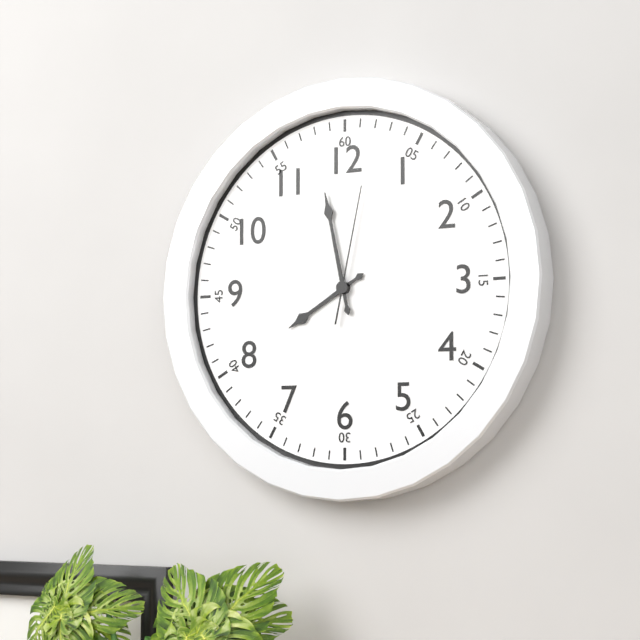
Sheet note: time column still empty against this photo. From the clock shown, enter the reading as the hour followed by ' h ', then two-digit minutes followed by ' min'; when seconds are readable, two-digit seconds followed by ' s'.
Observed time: 7 h 58 min 02 s
